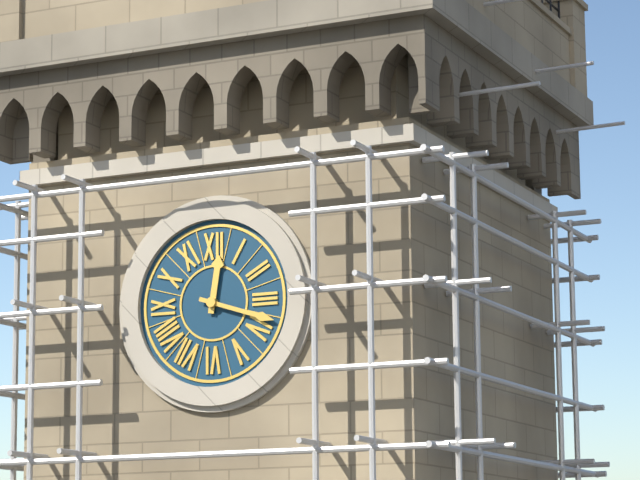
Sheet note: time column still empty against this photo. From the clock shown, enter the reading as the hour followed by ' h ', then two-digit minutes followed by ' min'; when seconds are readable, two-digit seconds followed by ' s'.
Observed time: 12 h 18 min
